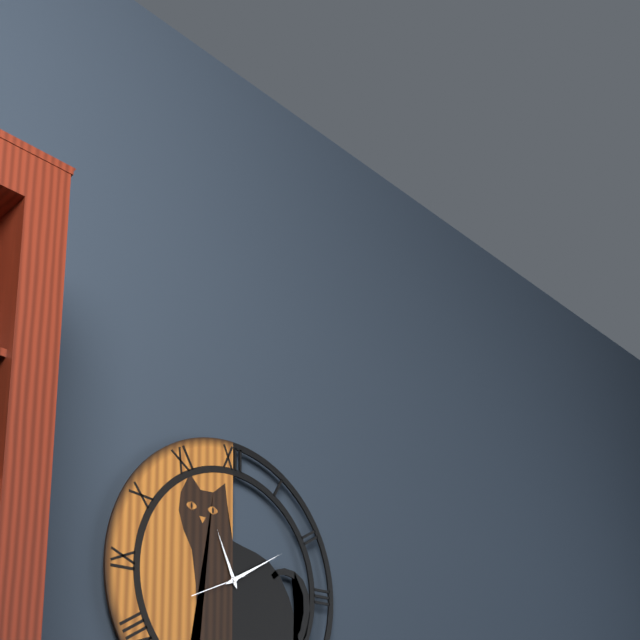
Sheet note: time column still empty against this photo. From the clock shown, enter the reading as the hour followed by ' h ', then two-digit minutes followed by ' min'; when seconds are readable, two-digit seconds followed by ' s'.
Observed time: 11 h 10 min 41 s
